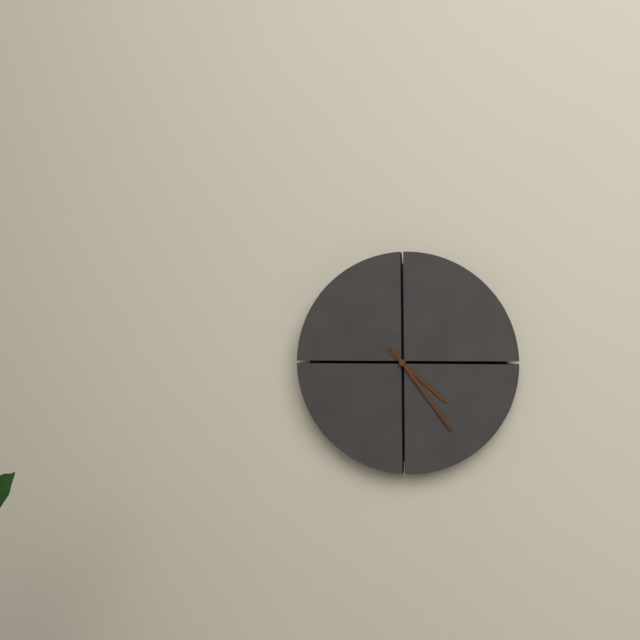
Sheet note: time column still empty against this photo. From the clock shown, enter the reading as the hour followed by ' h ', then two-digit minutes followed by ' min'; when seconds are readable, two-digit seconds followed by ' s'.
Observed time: 4 h 24 min
